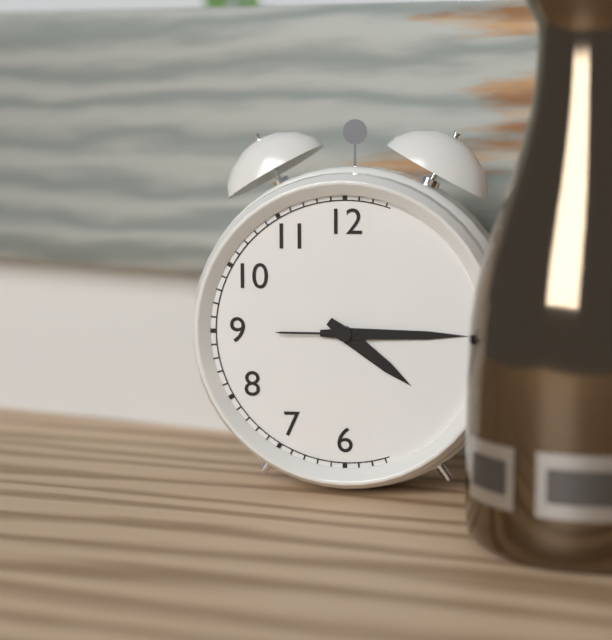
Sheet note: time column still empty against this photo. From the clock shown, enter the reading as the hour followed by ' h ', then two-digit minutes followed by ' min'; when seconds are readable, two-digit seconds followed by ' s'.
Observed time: 4 h 15 min
